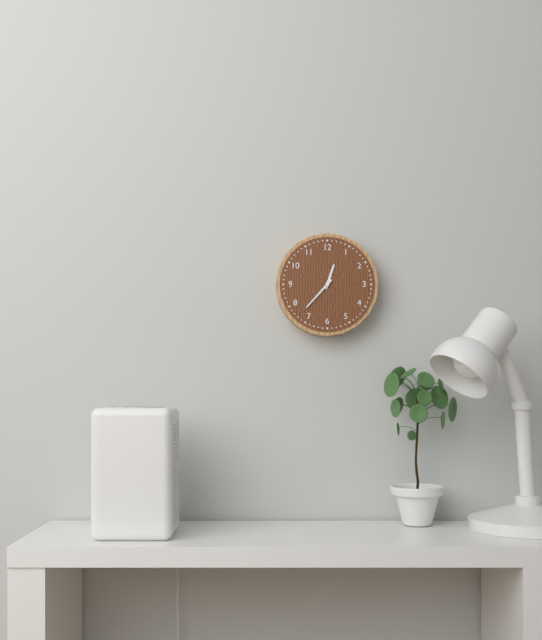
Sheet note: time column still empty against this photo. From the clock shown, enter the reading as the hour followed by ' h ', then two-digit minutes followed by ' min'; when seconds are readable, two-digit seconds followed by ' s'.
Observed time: 12 h 37 min
